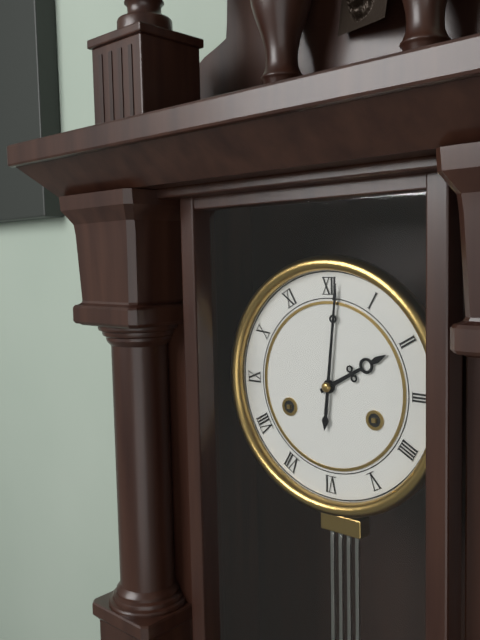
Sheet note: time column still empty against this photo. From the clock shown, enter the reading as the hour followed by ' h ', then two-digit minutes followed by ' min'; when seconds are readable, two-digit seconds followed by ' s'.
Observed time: 2 h 01 min
